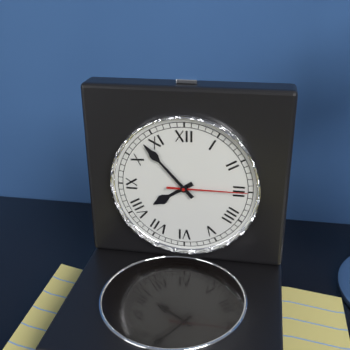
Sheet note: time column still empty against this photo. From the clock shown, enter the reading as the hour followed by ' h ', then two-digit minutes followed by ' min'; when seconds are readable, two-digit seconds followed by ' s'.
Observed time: 7 h 53 min 15 s
